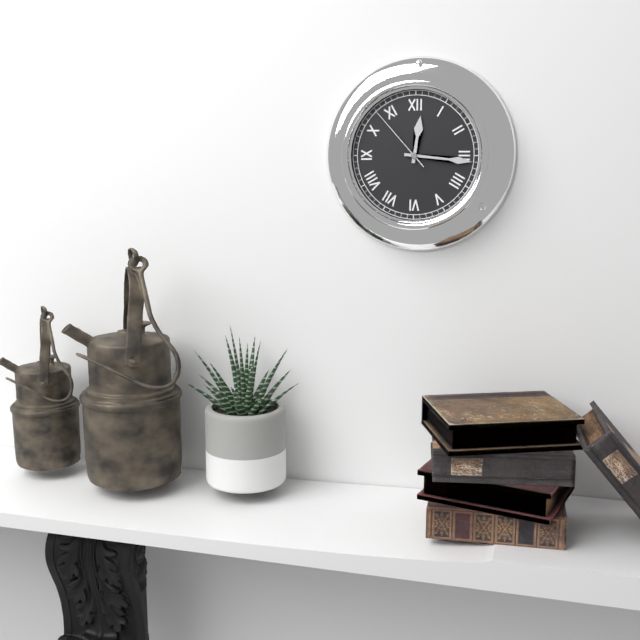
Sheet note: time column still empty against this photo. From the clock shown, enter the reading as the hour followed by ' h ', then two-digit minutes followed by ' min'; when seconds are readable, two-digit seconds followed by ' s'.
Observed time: 12 h 16 min 53 s
